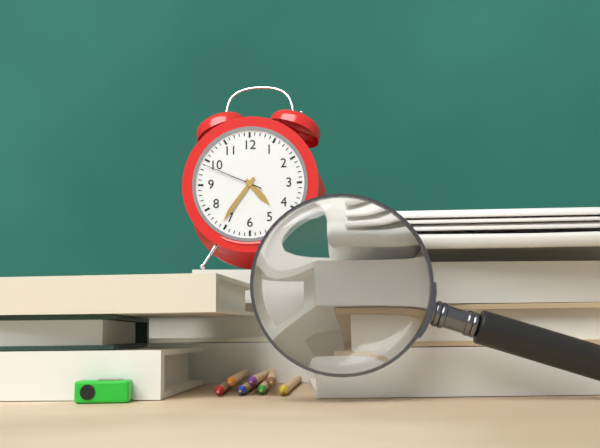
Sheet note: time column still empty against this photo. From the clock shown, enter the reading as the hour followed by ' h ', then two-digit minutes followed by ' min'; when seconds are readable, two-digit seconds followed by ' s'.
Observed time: 4 h 36 min 49 s
